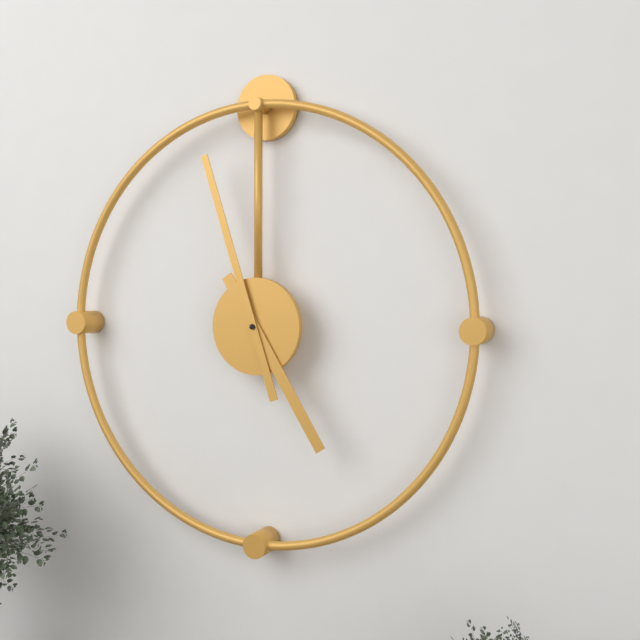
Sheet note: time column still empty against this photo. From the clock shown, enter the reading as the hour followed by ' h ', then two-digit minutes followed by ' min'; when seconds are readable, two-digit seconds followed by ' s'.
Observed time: 4 h 57 min
